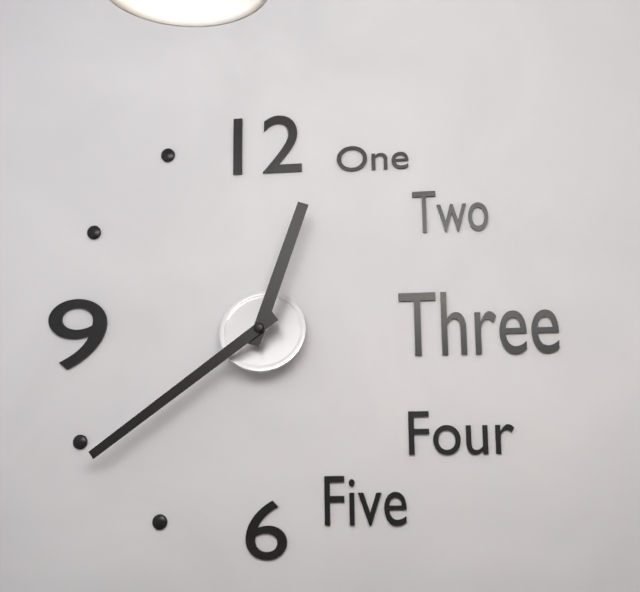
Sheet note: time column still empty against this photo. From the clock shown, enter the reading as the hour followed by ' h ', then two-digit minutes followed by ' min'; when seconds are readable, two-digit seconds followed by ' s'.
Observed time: 12 h 39 min
